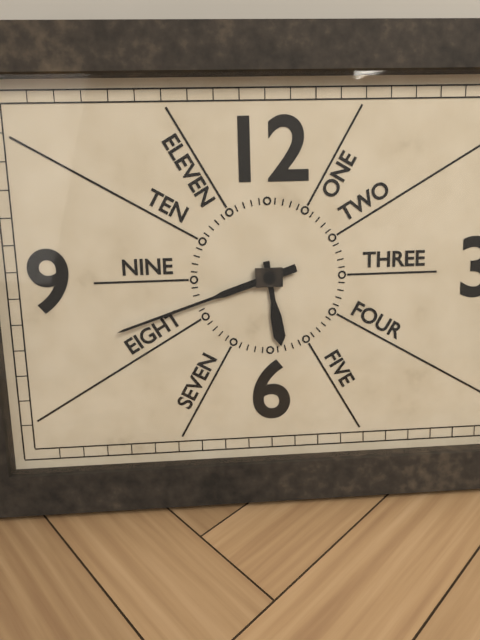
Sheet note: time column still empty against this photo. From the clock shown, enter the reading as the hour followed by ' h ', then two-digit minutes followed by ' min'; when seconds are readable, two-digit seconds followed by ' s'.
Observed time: 5 h 42 min
